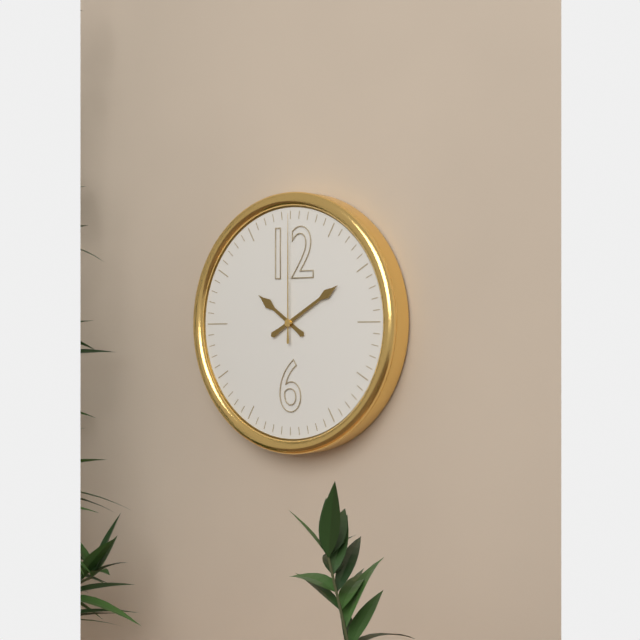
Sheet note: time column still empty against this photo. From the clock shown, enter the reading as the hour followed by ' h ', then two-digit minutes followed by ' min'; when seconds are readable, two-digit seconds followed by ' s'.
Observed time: 10 h 10 min 00 s
